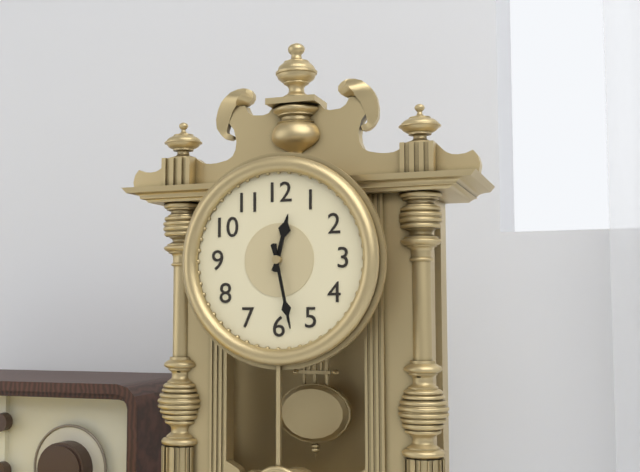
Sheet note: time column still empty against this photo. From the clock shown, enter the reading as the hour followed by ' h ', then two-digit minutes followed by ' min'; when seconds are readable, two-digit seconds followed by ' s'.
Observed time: 12 h 28 min
